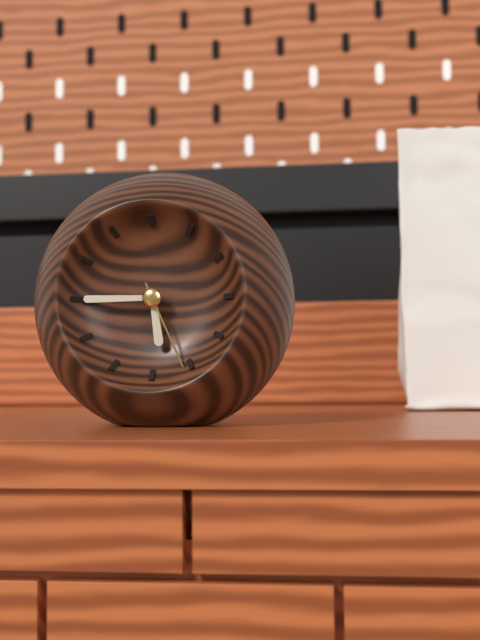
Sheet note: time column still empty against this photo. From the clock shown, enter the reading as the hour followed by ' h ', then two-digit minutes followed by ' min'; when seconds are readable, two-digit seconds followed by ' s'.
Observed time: 5 h 45 min 26 s
